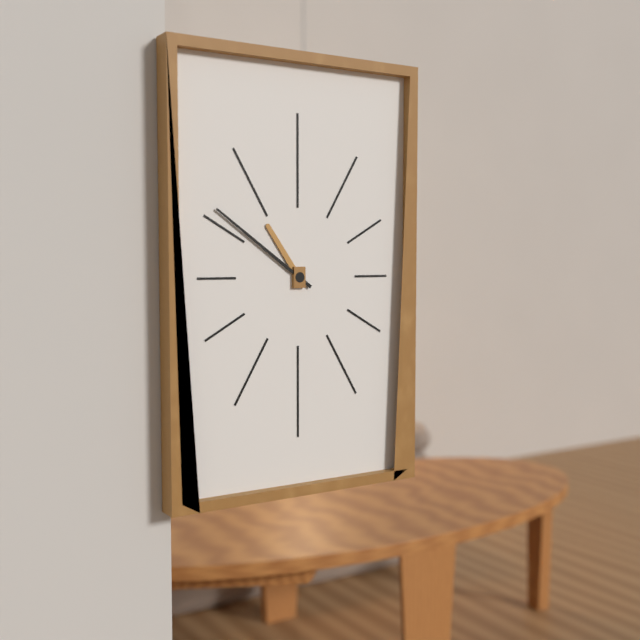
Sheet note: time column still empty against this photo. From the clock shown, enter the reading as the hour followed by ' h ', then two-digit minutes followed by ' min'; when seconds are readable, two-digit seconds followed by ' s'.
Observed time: 10 h 51 min
